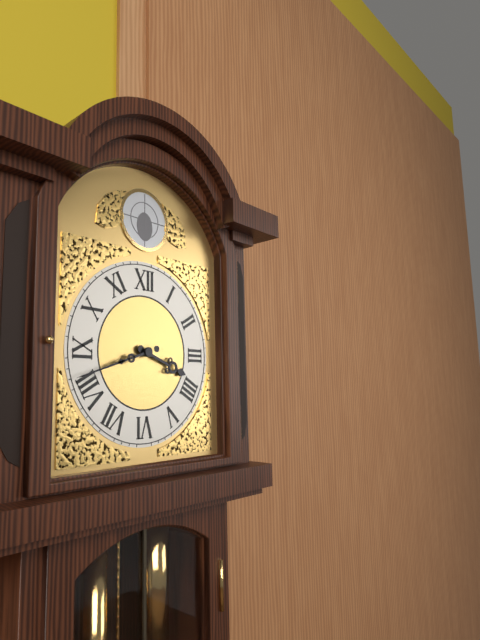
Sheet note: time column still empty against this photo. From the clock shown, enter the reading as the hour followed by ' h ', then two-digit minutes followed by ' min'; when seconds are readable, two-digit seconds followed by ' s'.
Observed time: 3 h 42 min
